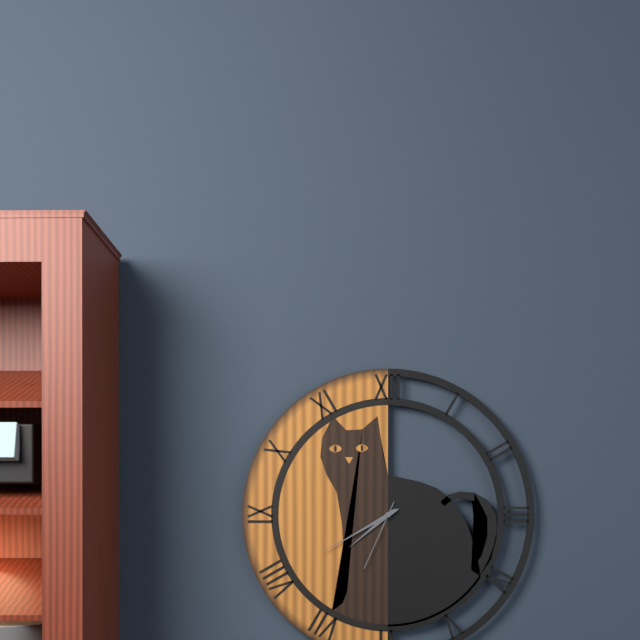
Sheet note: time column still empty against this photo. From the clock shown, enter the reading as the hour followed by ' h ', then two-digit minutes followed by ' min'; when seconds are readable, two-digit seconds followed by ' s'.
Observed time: 7 h 40 min 34 s
